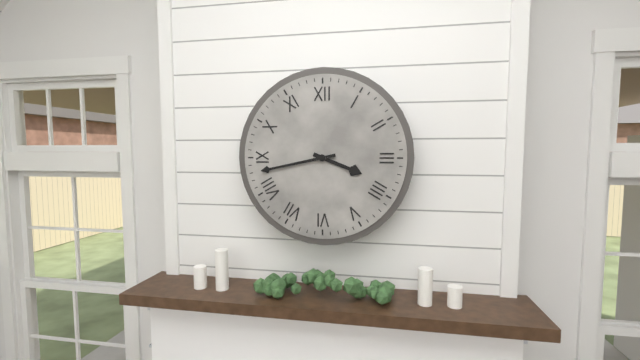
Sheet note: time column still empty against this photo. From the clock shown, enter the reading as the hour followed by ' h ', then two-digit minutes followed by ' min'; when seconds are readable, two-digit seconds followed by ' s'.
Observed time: 3 h 43 min
